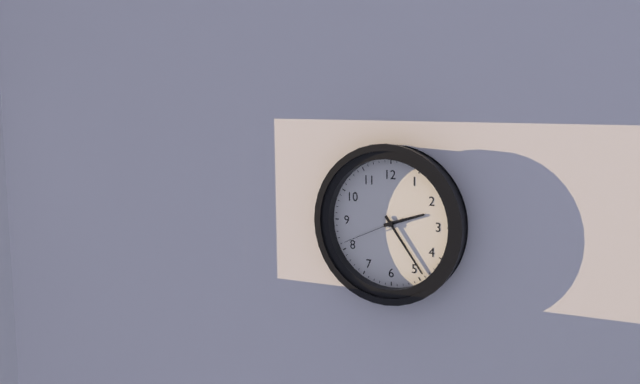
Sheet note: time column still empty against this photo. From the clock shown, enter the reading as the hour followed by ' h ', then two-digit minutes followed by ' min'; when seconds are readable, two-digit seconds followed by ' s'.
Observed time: 2 h 24 min 41 s
